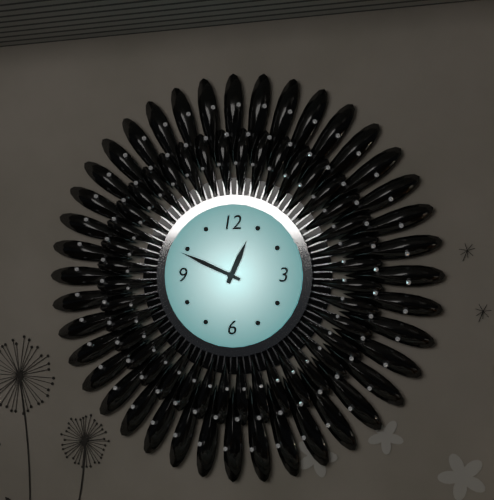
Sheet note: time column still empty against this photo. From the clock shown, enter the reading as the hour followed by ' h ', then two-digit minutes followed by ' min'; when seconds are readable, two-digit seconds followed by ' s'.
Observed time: 12 h 49 min
